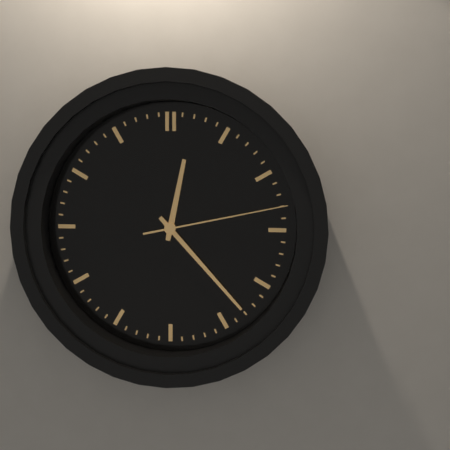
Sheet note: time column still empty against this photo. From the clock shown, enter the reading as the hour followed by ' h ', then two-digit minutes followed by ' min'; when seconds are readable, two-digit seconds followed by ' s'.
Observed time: 12 h 23 min 13 s
